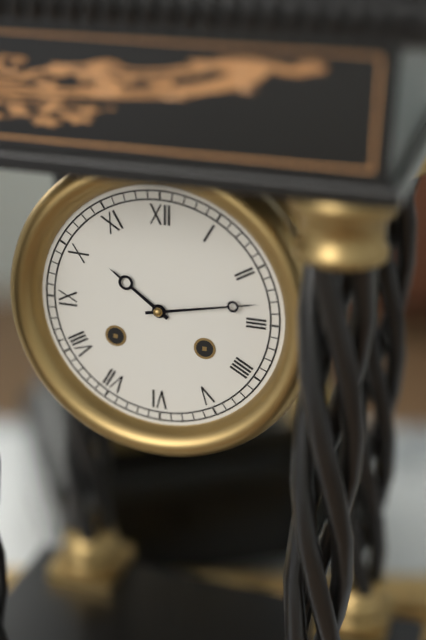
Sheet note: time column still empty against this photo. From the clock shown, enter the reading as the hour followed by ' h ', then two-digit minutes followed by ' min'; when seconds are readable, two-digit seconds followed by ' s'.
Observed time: 10 h 13 min
